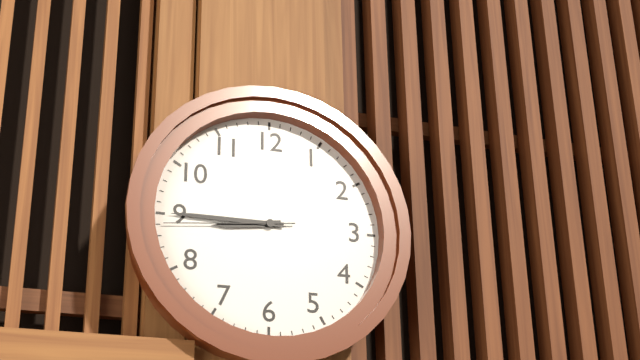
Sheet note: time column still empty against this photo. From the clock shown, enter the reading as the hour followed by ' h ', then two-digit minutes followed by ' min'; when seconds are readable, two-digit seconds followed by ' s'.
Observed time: 8 h 45 min 44 s
